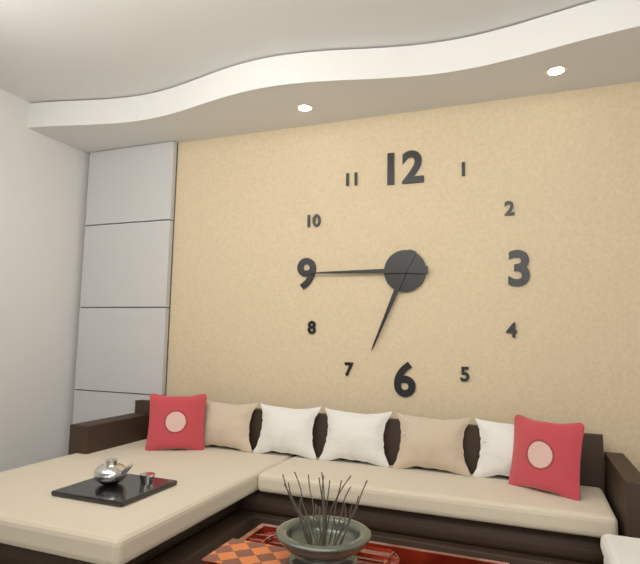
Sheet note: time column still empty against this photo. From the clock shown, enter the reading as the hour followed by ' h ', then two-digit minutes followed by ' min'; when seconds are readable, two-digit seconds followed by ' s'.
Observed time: 6 h 45 min
